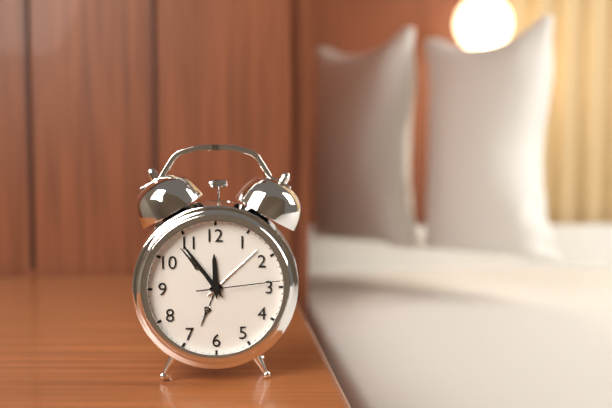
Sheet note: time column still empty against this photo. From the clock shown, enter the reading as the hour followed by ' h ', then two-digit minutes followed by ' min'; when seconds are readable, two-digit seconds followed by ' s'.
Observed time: 11 h 54 min 14 s
